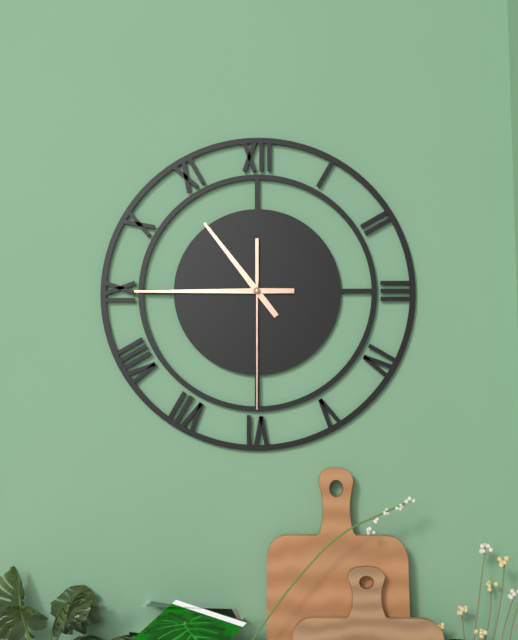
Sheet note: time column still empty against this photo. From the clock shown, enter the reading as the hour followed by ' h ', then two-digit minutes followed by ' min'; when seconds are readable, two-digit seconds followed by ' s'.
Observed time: 10 h 45 min 30 s
